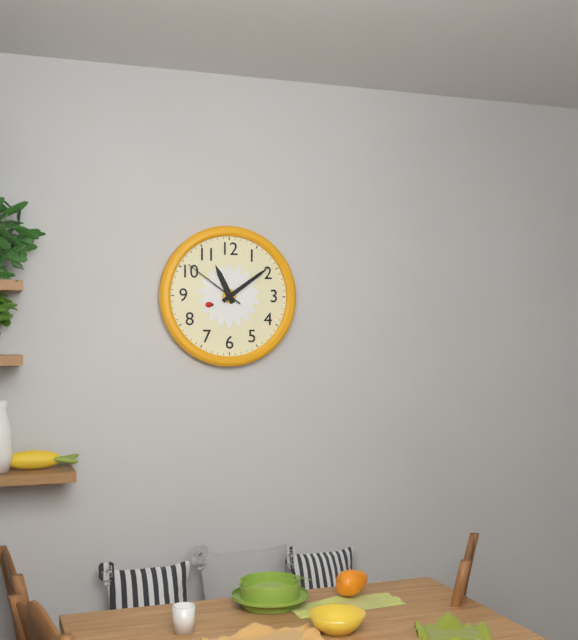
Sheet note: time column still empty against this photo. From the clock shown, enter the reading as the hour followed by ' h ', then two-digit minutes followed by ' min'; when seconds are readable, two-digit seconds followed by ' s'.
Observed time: 11 h 09 min 51 s
